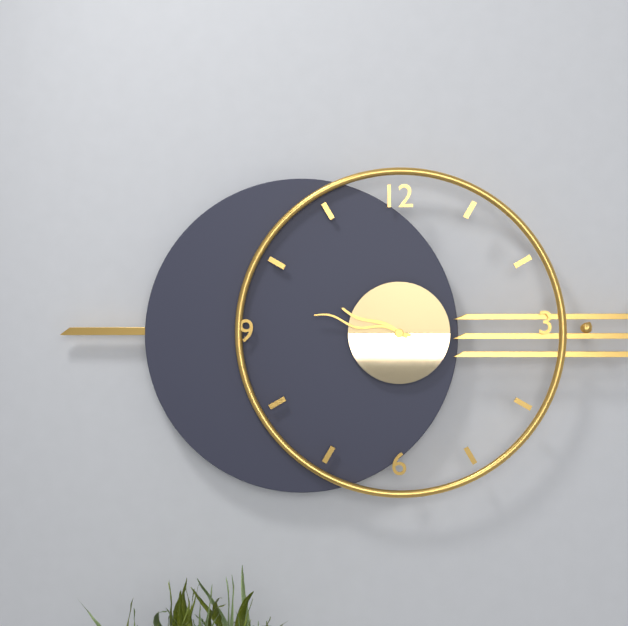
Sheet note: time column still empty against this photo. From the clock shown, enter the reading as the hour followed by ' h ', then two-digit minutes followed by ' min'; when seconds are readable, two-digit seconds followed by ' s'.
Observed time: 9 h 47 min
